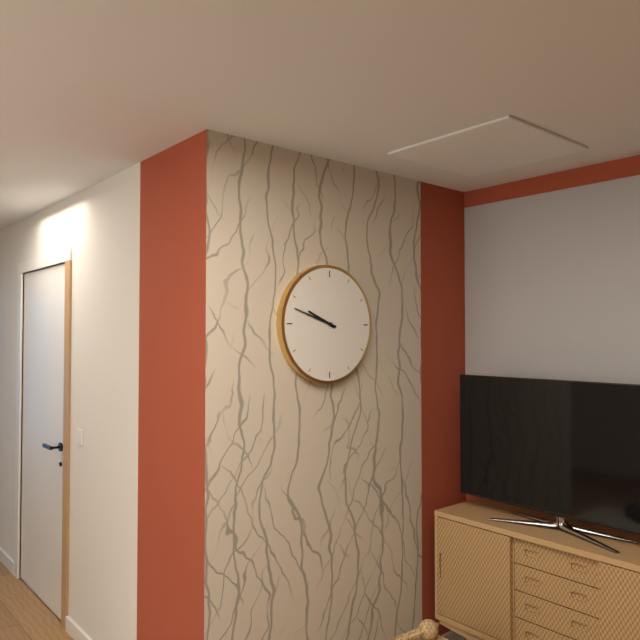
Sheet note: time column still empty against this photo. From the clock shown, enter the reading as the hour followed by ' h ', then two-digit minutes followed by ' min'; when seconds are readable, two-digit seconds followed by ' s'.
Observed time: 9 h 48 min
